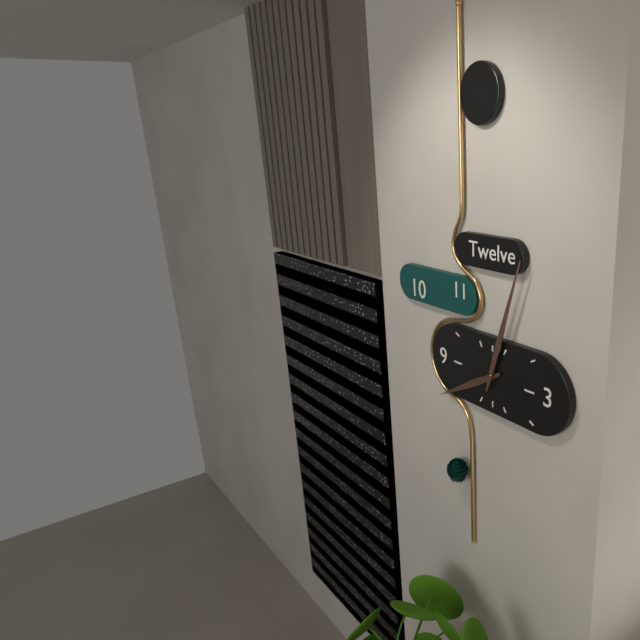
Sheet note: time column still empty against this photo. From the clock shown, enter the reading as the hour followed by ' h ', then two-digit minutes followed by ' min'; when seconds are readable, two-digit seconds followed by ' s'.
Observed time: 8 h 03 min
